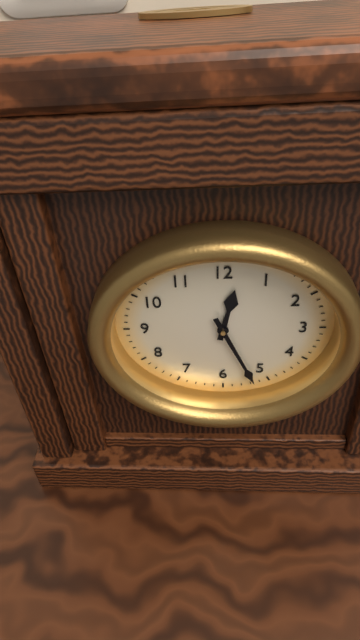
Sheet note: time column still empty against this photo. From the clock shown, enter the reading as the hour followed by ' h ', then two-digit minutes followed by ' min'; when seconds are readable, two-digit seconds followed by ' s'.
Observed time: 12 h 26 min
